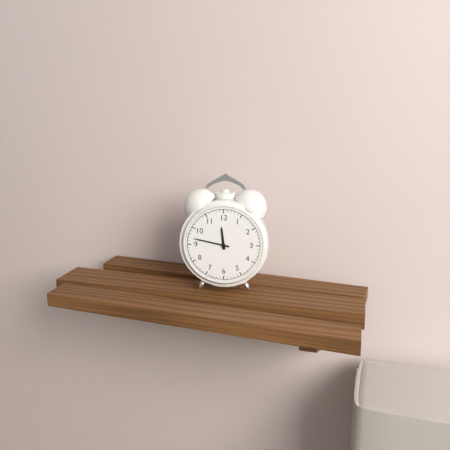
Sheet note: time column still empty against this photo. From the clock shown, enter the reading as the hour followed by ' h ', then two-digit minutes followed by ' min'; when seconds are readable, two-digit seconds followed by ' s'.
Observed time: 11 h 47 min
